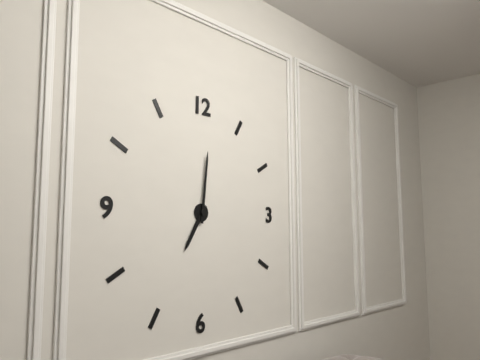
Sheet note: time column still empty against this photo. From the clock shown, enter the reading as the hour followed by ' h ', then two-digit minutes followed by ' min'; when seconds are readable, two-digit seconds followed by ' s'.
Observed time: 7 h 01 min
